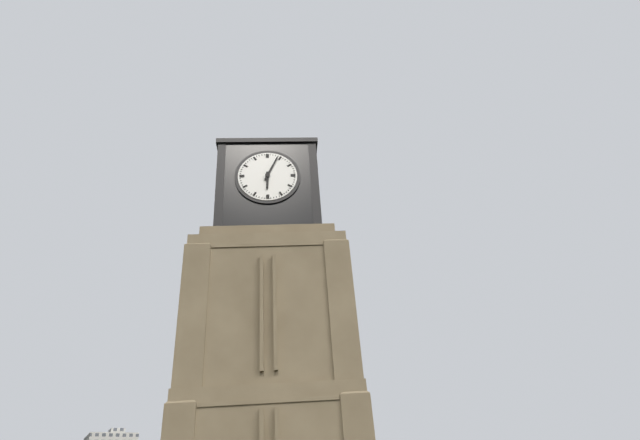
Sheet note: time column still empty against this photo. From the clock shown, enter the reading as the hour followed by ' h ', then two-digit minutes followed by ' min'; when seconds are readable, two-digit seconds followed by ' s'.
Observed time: 6 h 04 min
